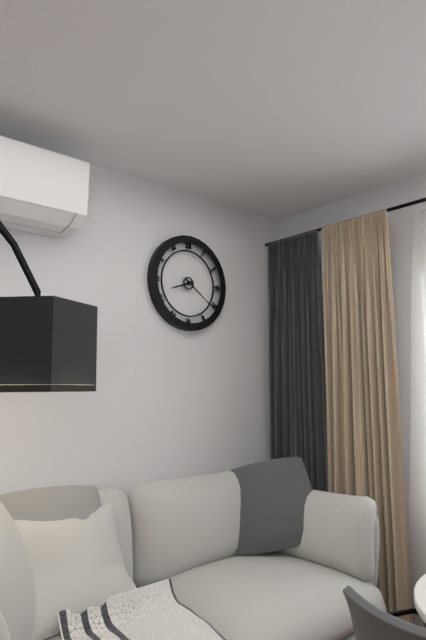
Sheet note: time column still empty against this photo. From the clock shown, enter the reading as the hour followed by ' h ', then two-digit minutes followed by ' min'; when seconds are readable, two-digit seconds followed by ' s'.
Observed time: 8 h 21 min
